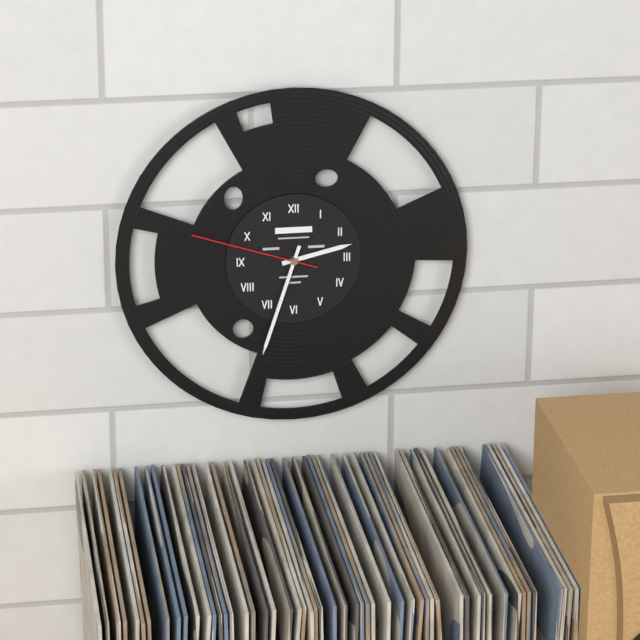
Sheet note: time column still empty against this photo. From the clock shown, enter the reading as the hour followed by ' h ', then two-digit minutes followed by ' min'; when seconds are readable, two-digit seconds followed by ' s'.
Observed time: 2 h 33 min 48 s
